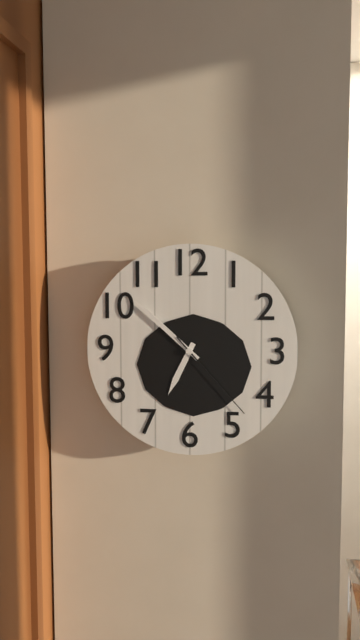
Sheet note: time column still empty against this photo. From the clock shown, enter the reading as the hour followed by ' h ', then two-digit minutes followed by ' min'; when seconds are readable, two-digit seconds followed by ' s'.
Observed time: 6 h 52 min 23 s
